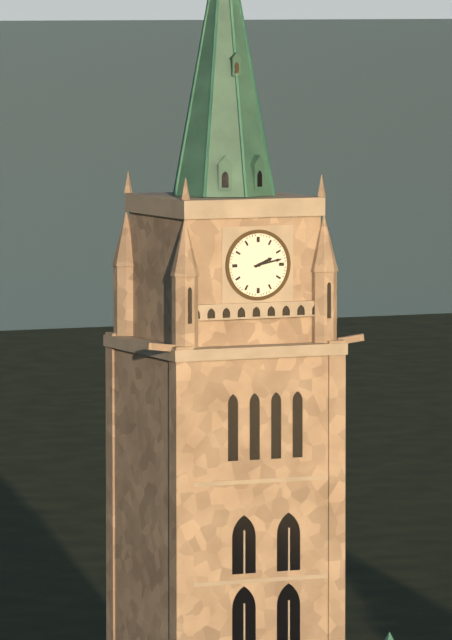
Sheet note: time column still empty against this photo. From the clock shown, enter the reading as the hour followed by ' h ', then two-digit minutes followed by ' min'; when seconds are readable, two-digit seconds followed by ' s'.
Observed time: 2 h 13 min
